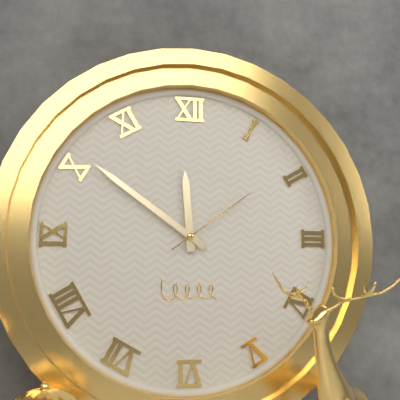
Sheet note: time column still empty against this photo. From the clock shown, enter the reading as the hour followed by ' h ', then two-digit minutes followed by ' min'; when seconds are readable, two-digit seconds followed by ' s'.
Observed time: 11 h 51 min 09 s
